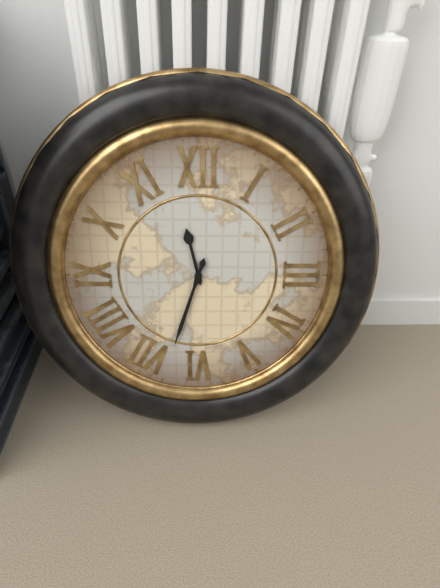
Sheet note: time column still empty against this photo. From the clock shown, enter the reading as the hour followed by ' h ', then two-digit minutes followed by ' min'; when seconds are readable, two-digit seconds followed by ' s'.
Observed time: 11 h 33 min
